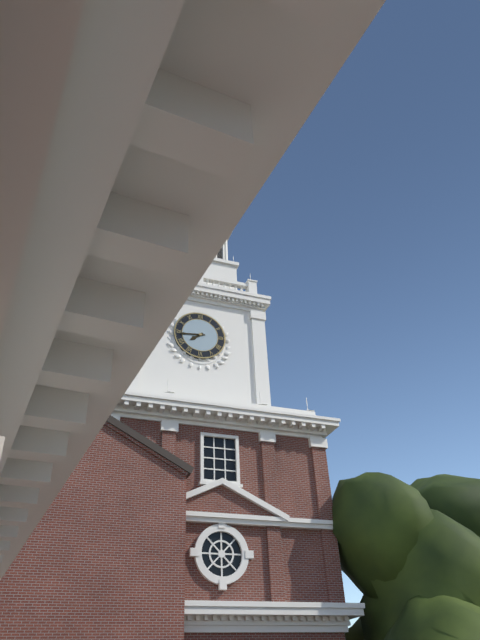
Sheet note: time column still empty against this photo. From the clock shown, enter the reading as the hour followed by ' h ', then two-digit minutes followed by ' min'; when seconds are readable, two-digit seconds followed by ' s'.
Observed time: 7 h 44 min
